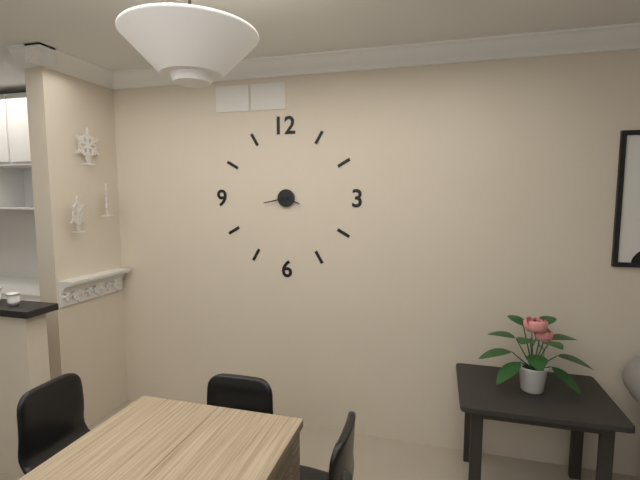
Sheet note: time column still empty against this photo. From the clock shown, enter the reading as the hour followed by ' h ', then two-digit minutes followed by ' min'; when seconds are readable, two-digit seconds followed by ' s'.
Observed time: 3 h 43 min
